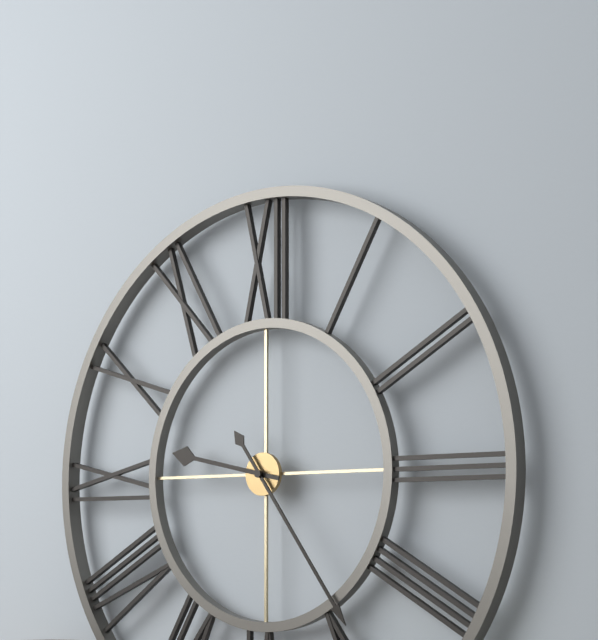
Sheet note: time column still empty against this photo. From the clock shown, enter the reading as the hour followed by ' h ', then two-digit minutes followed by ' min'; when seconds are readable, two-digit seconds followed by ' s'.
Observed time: 9 h 24 min
